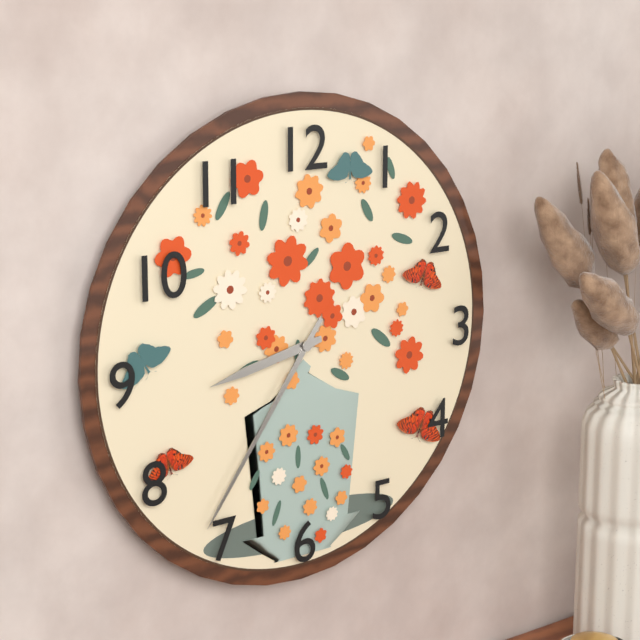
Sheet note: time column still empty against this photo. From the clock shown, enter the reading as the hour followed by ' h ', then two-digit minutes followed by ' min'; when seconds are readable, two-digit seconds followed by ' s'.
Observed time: 8 h 36 min
